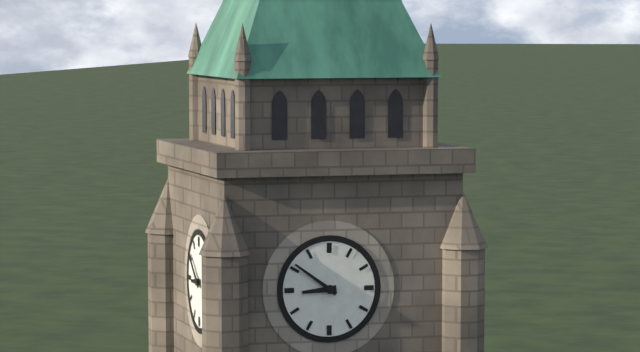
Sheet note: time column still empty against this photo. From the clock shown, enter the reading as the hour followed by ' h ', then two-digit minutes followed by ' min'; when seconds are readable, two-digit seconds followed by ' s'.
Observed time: 8 h 51 min
